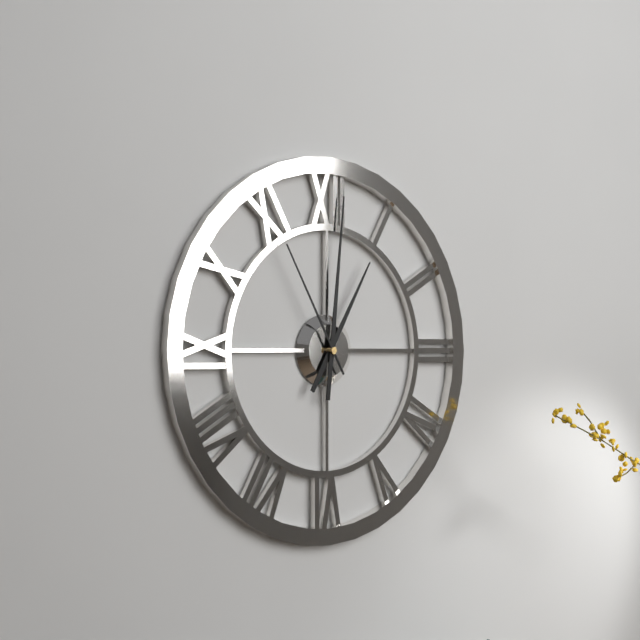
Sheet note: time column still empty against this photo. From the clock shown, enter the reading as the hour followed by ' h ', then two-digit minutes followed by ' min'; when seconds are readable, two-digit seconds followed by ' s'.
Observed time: 1 h 01 min 55 s
